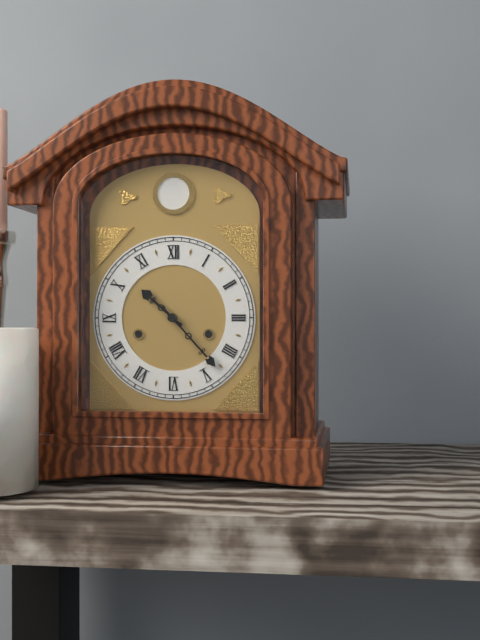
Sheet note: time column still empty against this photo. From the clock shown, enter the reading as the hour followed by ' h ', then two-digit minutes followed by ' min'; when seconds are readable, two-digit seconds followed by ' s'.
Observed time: 10 h 23 min
